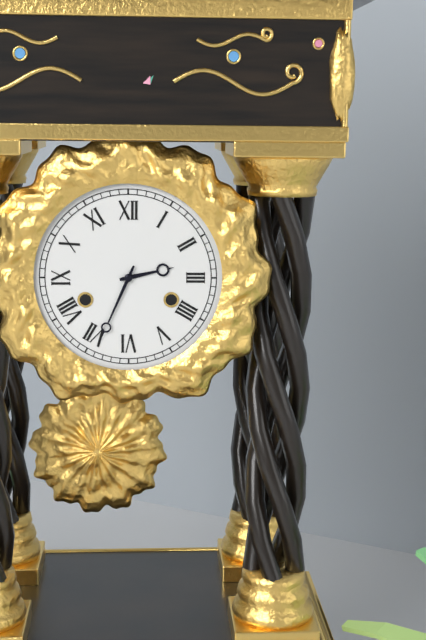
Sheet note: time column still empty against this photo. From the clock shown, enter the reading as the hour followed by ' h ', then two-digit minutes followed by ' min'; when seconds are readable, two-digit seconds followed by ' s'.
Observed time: 2 h 34 min
